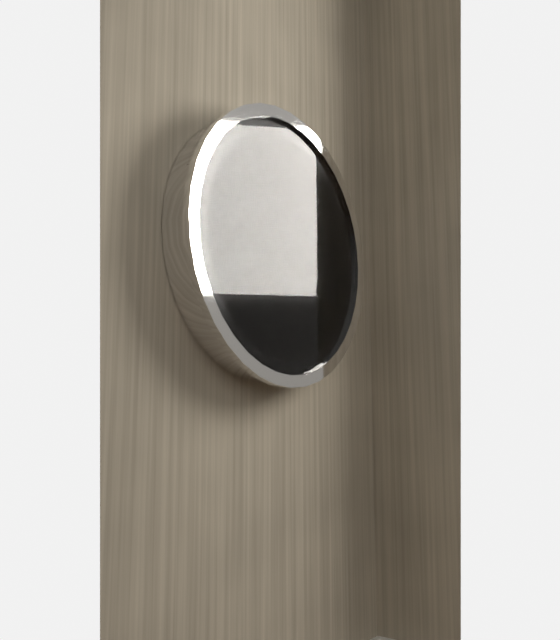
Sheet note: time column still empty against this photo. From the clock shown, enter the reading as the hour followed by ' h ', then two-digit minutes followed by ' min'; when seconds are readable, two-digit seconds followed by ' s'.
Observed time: 11 h 14 min
